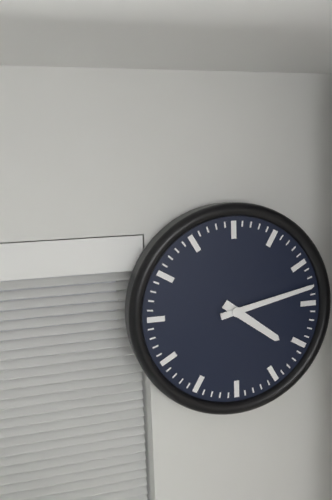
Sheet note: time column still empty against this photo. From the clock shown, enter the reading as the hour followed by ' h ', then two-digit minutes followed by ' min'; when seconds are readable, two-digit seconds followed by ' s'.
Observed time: 4 h 13 min
